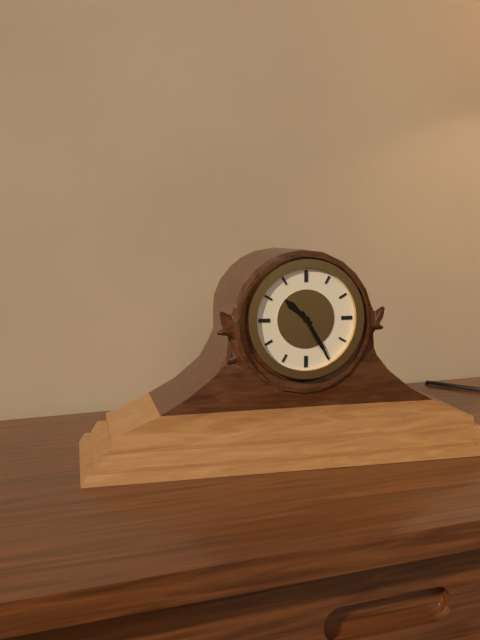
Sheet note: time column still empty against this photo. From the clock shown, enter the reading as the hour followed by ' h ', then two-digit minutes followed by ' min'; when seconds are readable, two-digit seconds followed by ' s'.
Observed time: 10 h 25 min
